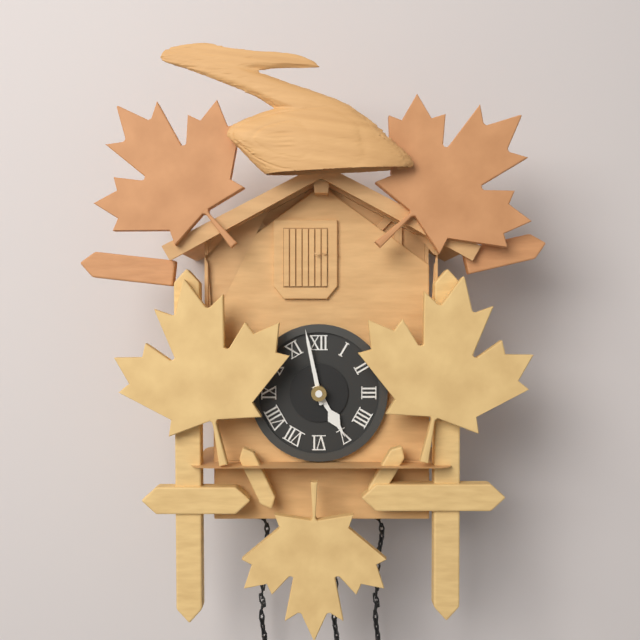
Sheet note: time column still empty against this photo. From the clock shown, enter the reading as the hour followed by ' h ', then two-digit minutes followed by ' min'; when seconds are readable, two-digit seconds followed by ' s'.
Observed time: 4 h 58 min
